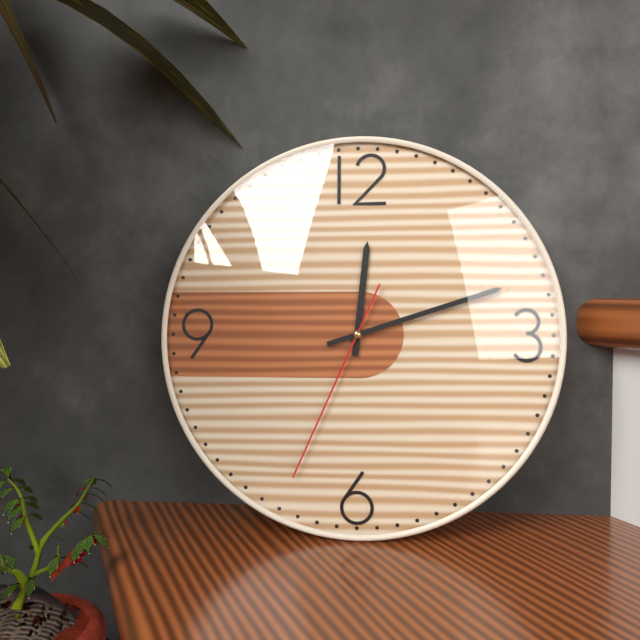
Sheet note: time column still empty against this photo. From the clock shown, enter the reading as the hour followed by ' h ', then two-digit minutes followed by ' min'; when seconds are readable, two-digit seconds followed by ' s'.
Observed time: 12 h 12 min 34 s
